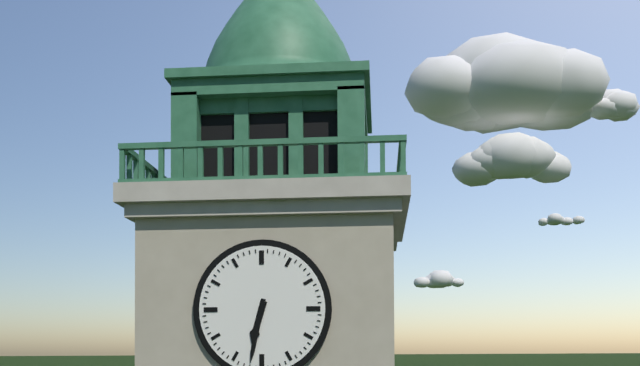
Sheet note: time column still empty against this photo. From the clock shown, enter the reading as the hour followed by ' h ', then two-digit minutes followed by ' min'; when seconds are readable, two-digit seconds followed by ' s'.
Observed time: 6 h 32 min
